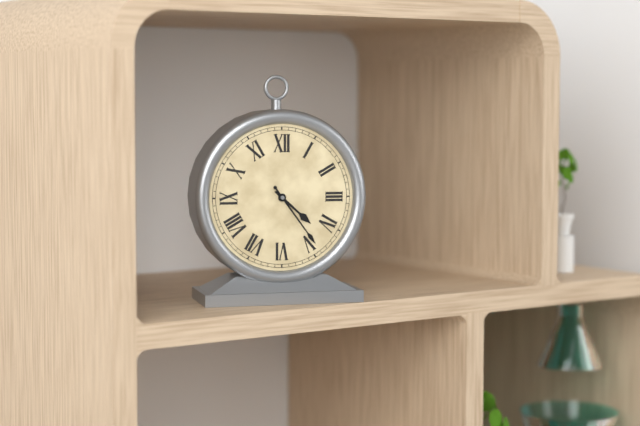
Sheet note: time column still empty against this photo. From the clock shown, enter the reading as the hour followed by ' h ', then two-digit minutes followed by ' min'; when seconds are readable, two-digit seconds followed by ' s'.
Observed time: 4 h 24 min
